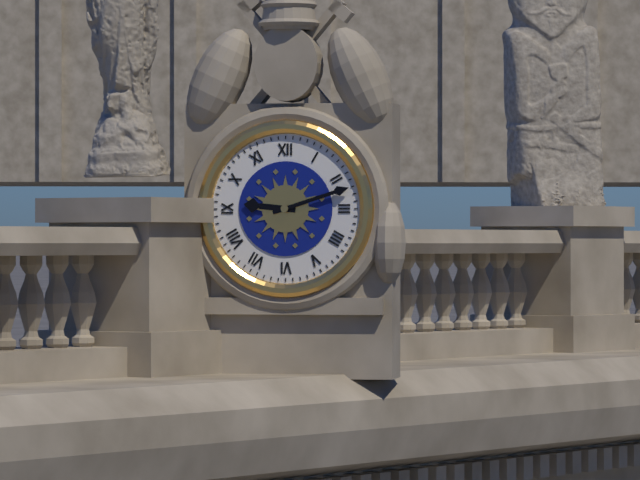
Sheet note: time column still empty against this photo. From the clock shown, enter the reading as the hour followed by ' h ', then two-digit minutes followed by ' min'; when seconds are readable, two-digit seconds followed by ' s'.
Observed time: 9 h 12 min
